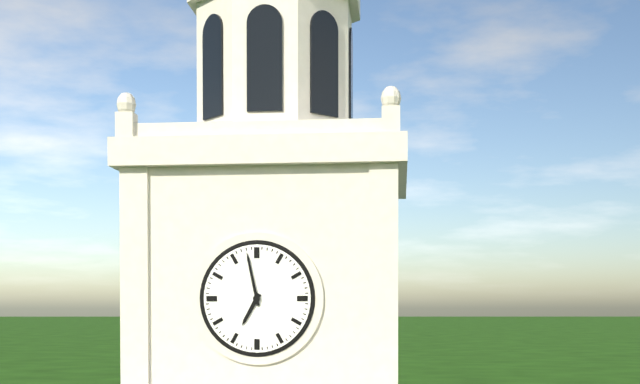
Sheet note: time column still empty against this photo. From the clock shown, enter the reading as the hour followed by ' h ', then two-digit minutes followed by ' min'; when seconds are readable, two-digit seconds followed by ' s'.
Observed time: 6 h 58 min
